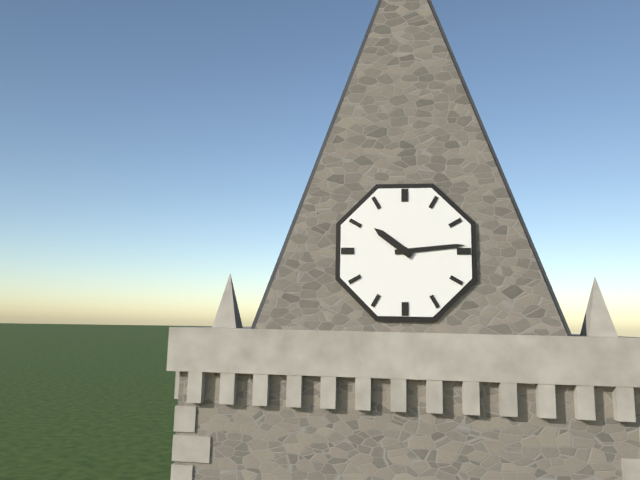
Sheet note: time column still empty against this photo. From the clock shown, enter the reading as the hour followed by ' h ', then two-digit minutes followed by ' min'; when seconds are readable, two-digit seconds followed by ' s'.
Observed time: 10 h 14 min
